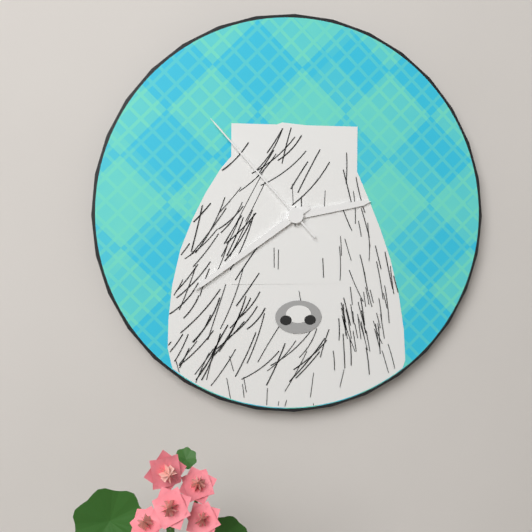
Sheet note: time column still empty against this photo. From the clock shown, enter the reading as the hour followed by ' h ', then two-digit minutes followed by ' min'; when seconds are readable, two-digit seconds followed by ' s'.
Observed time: 2 h 39 min 53 s
